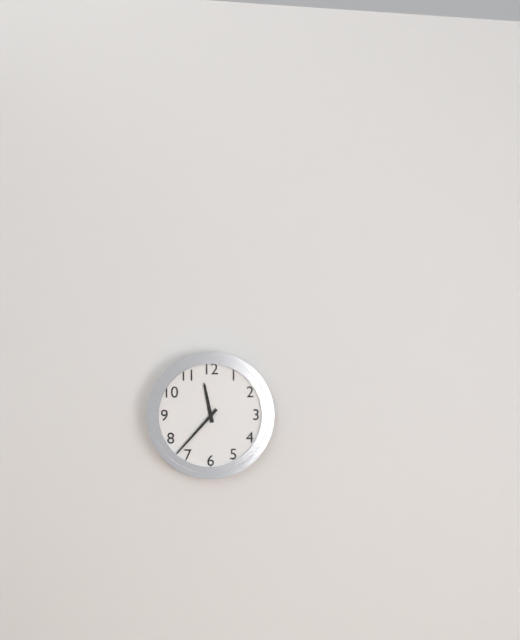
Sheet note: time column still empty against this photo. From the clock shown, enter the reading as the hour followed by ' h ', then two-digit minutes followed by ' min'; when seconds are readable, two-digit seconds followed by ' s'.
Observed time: 11 h 37 min
